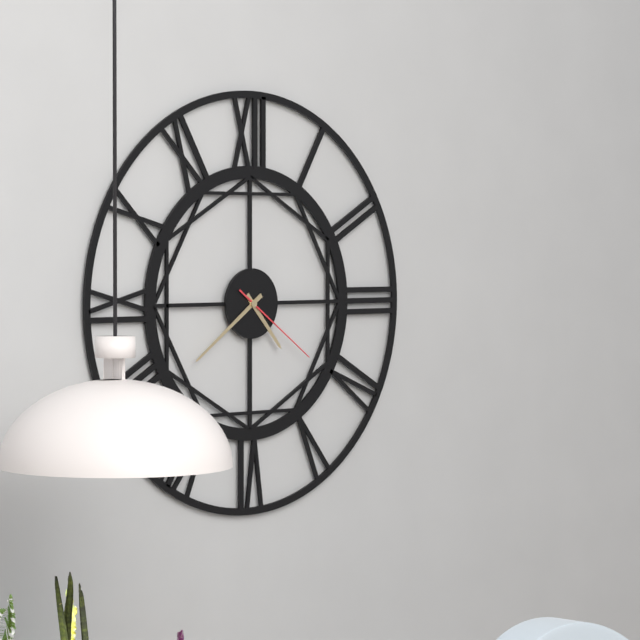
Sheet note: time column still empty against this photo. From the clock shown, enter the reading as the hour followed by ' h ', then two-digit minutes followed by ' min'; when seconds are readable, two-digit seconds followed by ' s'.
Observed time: 4 h 39 min 21 s
